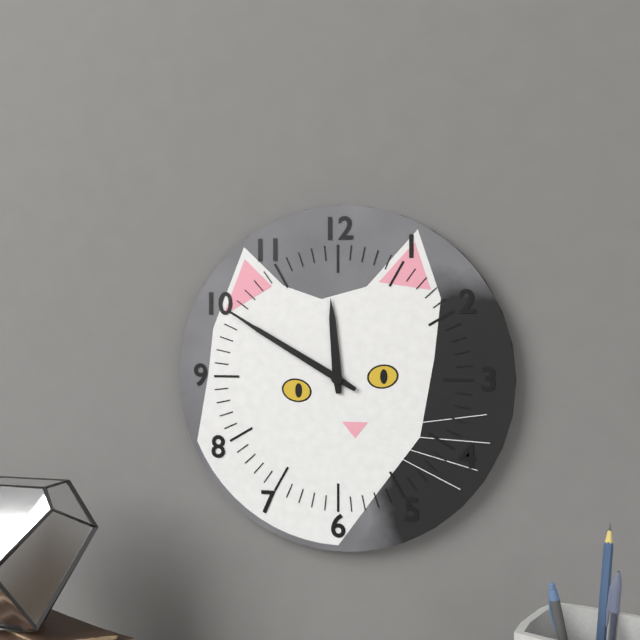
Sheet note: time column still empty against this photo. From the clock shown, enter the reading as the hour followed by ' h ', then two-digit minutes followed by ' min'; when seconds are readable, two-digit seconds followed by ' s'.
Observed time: 11 h 50 min
